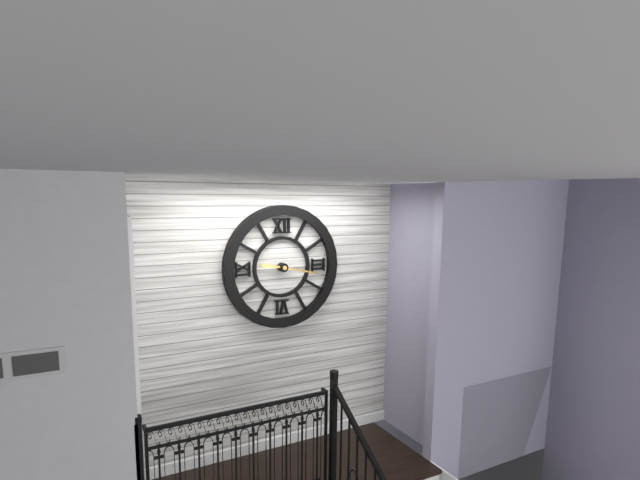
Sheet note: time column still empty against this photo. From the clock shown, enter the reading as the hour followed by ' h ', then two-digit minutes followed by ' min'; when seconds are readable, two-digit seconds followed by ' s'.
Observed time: 9 h 17 min
